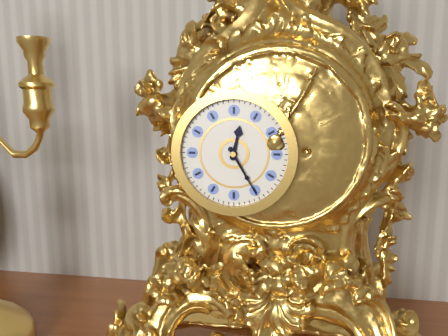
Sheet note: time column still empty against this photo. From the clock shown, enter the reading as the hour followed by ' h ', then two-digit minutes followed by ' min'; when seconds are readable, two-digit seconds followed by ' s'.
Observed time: 12 h 25 min
